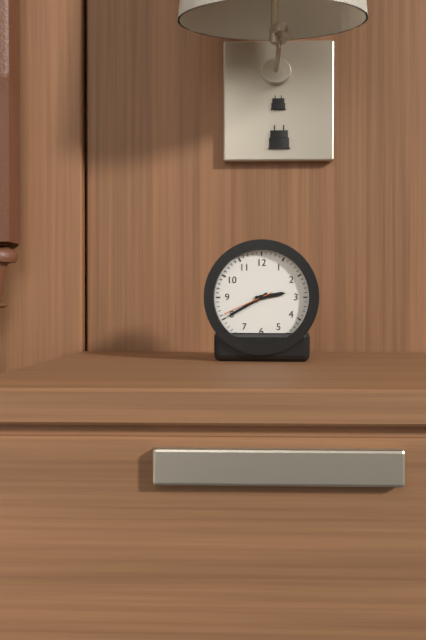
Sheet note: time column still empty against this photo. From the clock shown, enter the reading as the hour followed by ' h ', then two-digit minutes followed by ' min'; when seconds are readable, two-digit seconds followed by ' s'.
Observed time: 2 h 40 min 41 s
